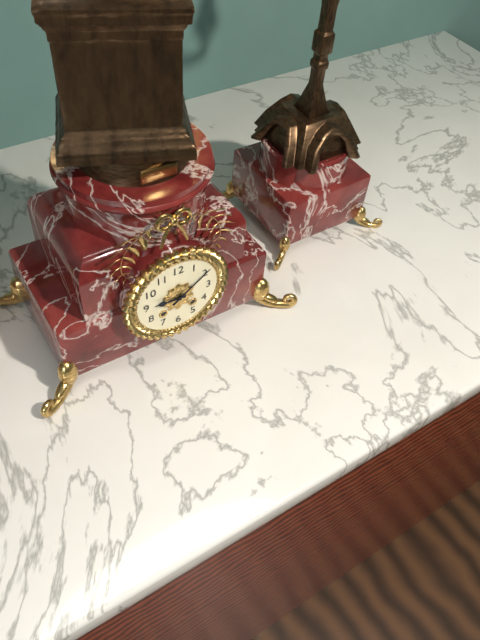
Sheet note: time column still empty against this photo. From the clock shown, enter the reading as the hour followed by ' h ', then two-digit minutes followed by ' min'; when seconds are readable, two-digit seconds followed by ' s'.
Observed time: 9 h 09 min
